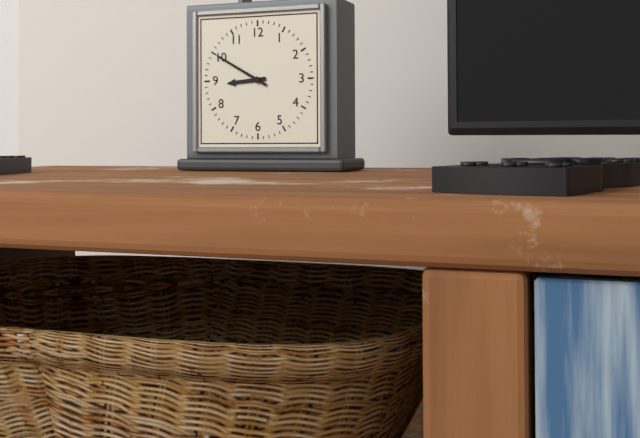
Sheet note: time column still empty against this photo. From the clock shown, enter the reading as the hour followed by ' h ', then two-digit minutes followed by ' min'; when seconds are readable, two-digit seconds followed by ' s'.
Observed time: 8 h 50 min
